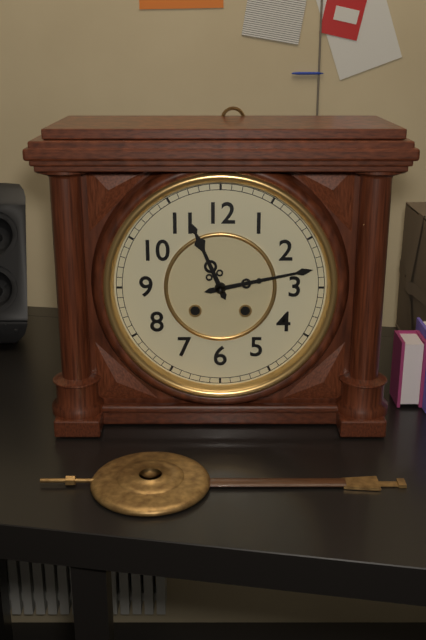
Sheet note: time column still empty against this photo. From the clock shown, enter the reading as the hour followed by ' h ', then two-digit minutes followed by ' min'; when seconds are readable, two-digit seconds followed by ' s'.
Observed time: 11 h 13 min
